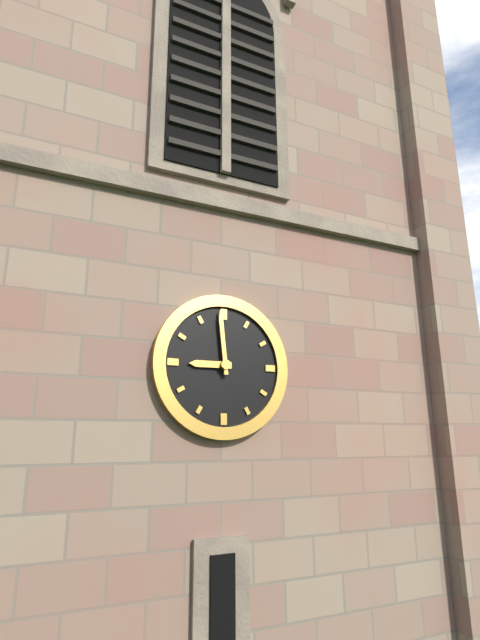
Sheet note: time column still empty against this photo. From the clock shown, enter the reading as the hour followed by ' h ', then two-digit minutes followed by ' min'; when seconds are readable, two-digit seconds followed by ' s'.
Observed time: 8 h 59 min
